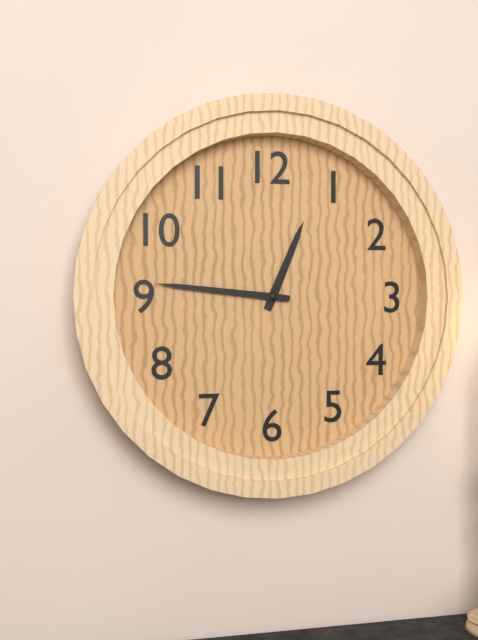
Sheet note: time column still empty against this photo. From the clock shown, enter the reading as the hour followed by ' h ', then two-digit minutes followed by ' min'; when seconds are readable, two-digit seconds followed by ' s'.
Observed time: 12 h 46 min
